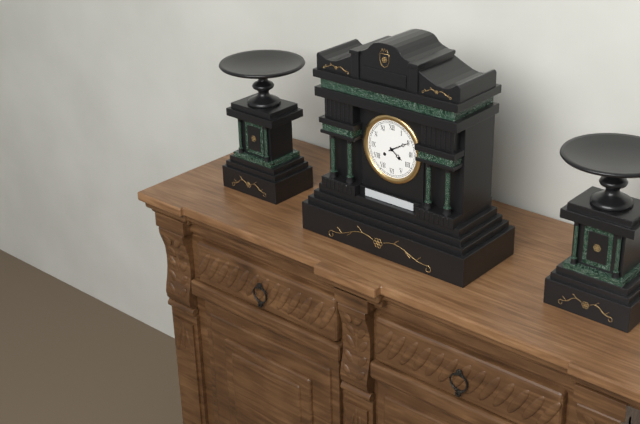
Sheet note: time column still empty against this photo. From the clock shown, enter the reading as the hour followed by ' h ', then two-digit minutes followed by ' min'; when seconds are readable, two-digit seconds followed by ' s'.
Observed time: 4 h 10 min
